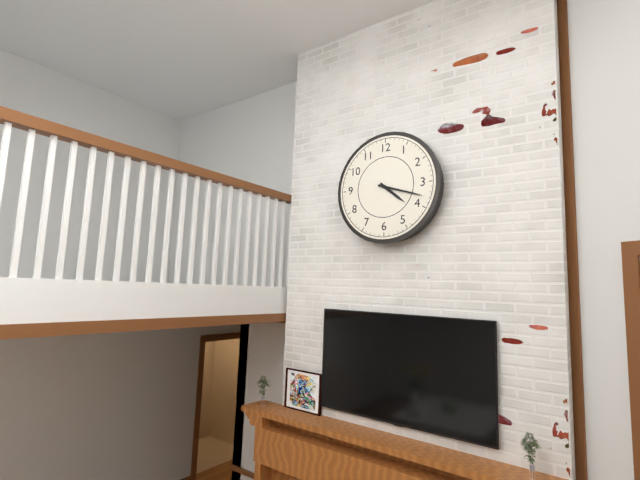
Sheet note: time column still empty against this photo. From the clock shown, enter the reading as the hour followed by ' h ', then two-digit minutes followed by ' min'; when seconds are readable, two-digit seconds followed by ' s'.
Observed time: 4 h 18 min
